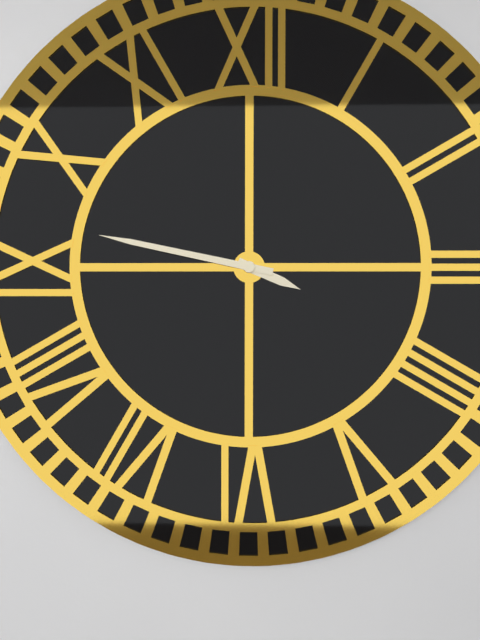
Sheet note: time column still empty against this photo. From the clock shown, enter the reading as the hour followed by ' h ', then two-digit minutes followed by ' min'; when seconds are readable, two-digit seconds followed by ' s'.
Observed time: 3 h 47 min
